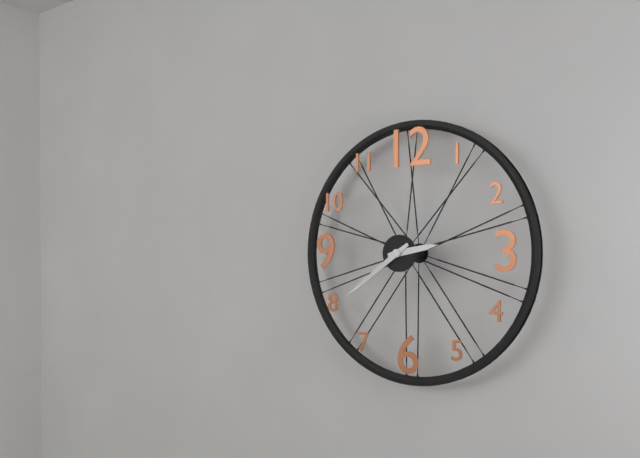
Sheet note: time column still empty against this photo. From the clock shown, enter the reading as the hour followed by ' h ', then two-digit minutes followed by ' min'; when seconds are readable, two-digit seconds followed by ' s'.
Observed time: 2 h 39 min
